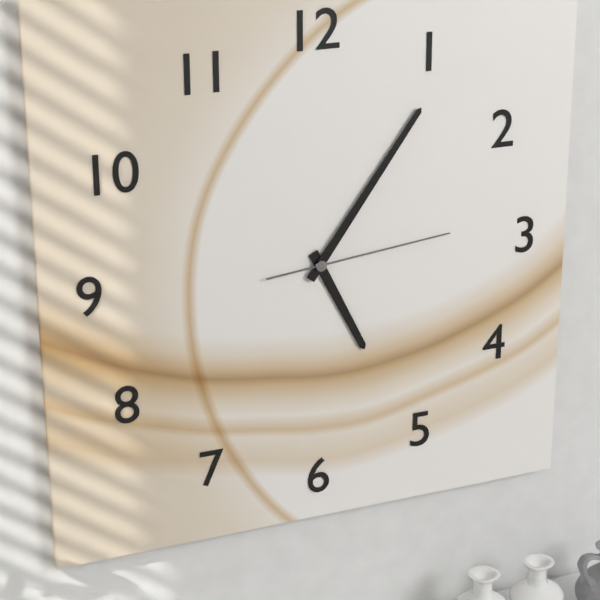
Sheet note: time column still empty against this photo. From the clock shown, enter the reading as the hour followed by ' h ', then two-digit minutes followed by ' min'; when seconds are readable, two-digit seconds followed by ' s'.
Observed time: 5 h 06 min 14 s
